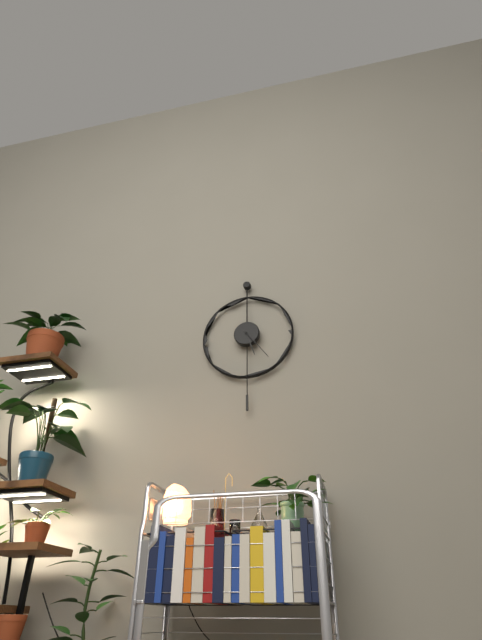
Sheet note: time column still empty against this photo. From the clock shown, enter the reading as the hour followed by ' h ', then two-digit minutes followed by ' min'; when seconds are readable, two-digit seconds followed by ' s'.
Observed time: 5 h 24 min
